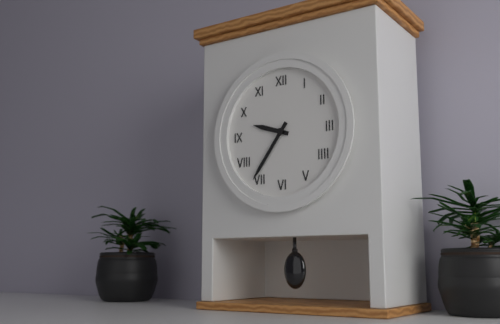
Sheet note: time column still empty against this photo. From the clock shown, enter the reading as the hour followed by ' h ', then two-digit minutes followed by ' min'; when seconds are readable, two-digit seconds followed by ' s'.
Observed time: 9 h 36 min
